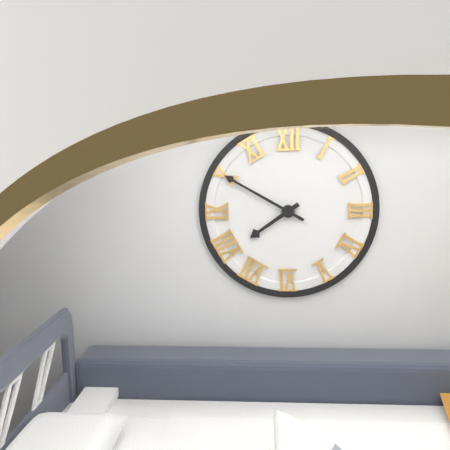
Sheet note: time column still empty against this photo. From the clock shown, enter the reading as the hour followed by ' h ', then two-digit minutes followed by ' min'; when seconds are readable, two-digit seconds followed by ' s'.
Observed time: 7 h 50 min
